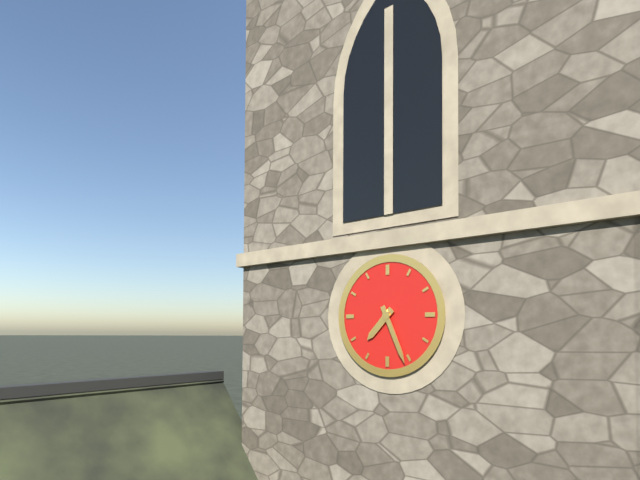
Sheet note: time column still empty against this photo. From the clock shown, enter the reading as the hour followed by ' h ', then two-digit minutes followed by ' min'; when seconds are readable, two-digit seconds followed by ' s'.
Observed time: 7 h 26 min
